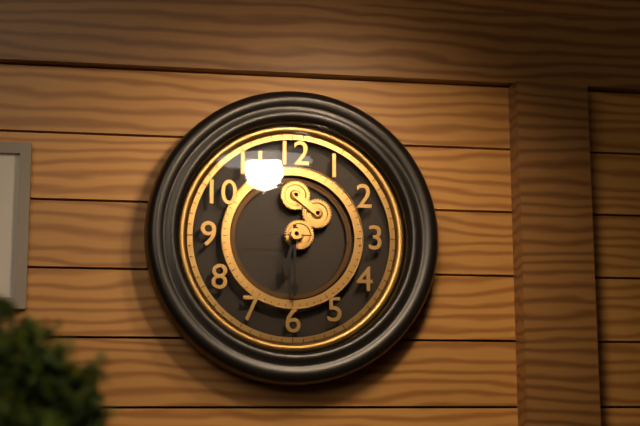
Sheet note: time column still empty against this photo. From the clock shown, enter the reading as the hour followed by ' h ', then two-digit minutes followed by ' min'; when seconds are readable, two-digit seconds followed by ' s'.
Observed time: 6 h 30 min 45 s
